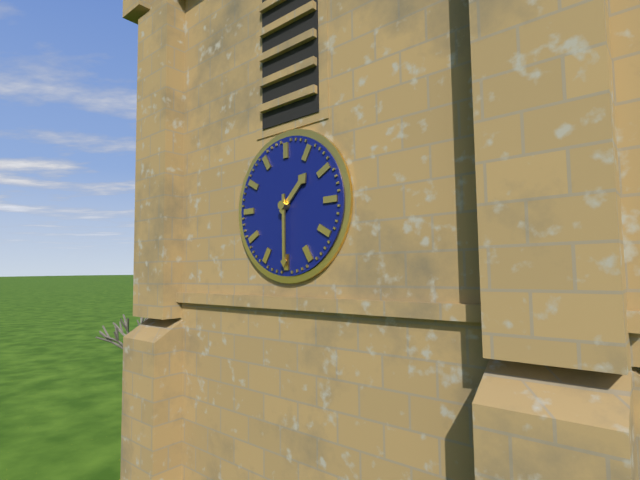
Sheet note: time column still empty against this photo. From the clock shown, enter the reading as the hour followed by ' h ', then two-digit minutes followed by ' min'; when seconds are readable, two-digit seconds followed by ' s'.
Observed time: 1 h 30 min
